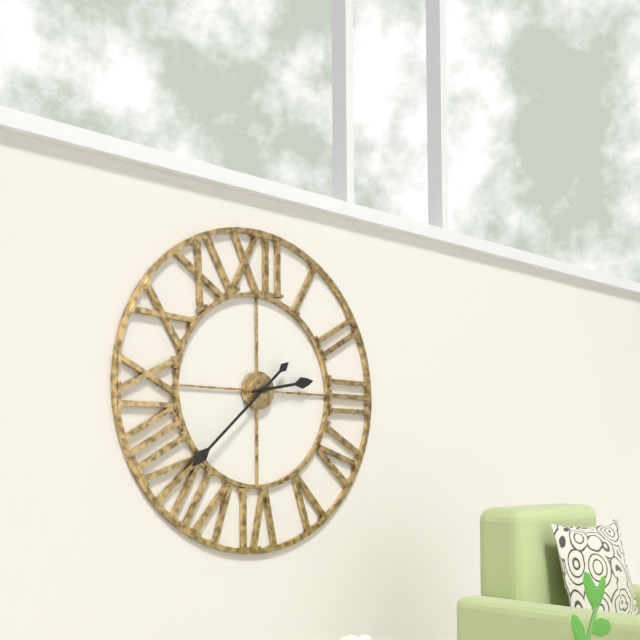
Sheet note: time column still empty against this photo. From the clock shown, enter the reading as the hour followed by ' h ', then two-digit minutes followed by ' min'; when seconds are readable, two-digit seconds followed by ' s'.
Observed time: 2 h 38 min
